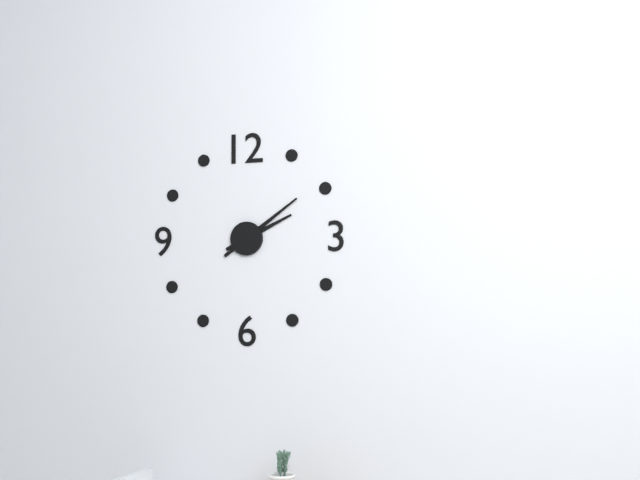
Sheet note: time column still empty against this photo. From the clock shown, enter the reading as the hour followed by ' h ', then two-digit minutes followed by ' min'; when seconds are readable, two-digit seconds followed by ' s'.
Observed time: 2 h 09 min
